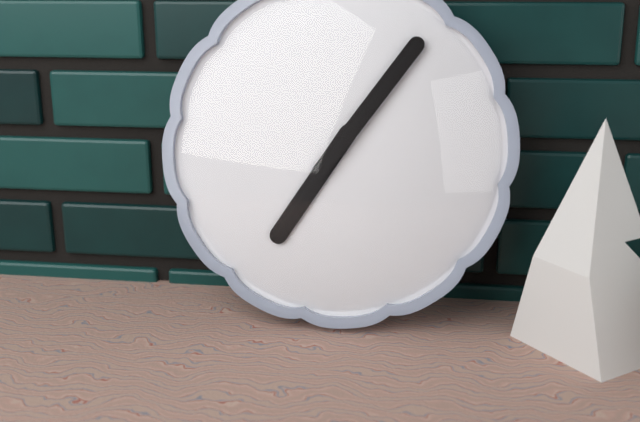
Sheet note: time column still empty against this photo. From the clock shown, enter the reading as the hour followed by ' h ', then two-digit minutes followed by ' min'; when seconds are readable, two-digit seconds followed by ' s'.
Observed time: 7 h 06 min
